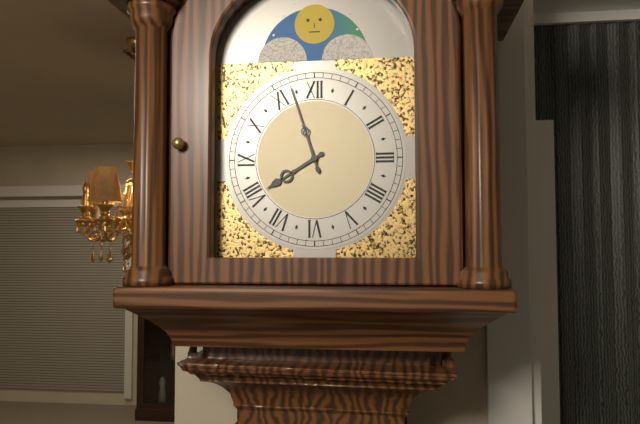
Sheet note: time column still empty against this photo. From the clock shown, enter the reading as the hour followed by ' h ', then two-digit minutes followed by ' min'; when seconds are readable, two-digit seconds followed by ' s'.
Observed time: 7 h 57 min
